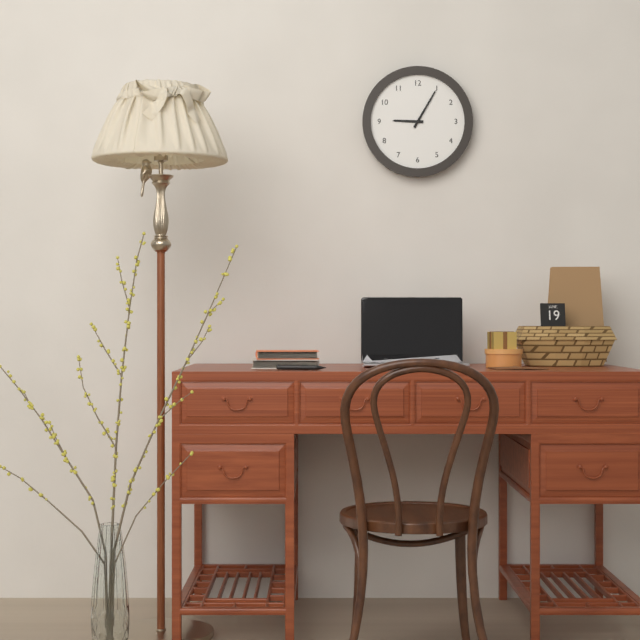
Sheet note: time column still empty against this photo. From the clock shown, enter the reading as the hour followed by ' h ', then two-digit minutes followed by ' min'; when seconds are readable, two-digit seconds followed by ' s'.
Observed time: 9 h 05 min
